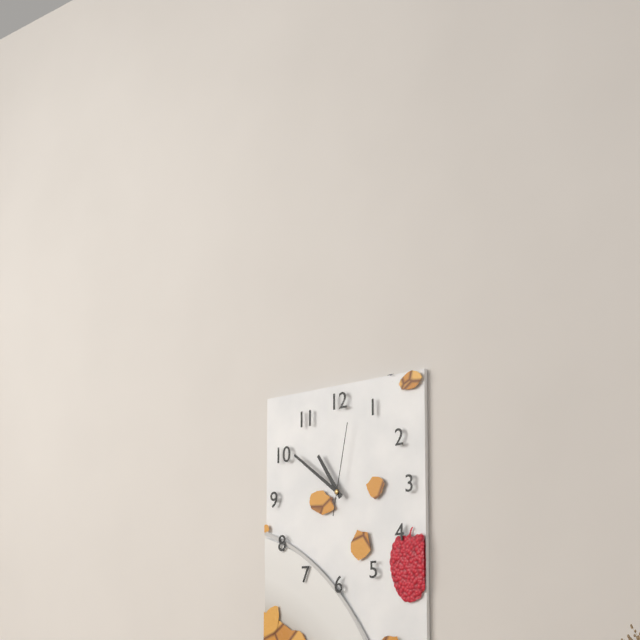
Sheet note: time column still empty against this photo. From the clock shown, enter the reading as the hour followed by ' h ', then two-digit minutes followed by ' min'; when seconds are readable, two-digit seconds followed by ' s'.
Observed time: 10 h 51 min 02 s
